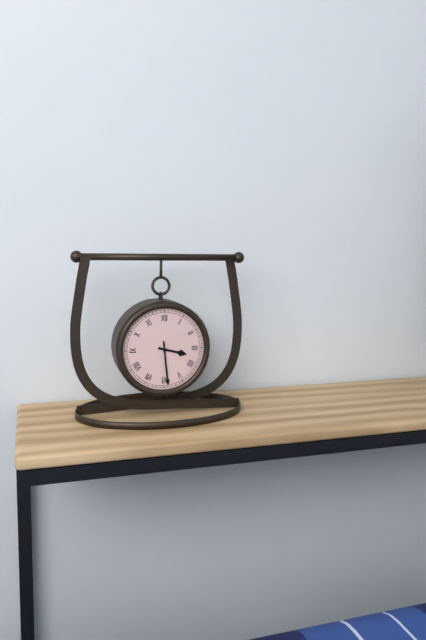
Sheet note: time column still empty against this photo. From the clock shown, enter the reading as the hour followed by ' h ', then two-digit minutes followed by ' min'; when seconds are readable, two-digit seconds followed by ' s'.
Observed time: 3 h 29 min
